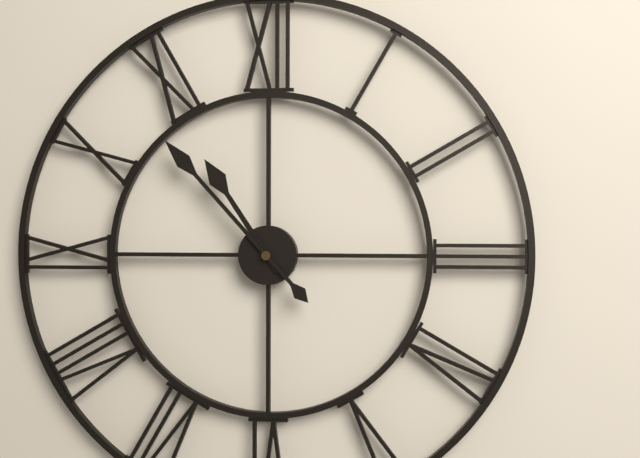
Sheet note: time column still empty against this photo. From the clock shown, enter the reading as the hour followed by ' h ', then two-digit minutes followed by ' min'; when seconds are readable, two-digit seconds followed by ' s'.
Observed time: 10 h 53 min
